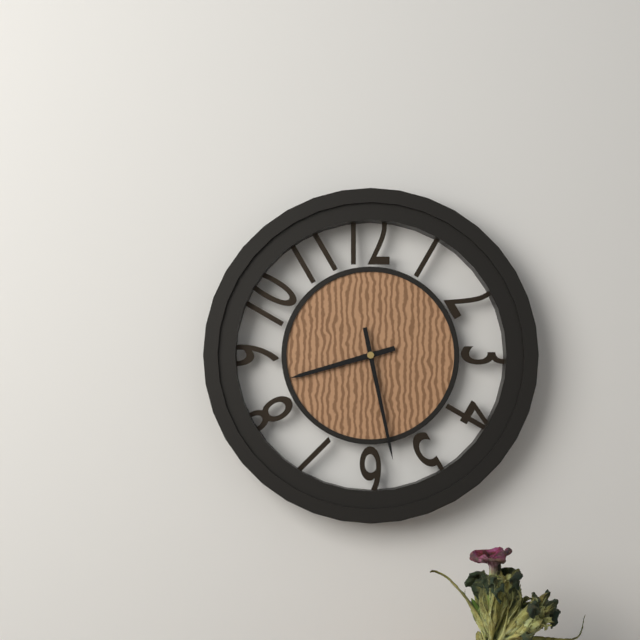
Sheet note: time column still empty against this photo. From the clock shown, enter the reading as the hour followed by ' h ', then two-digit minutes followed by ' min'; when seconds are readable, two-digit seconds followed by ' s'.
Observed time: 8 h 28 min
